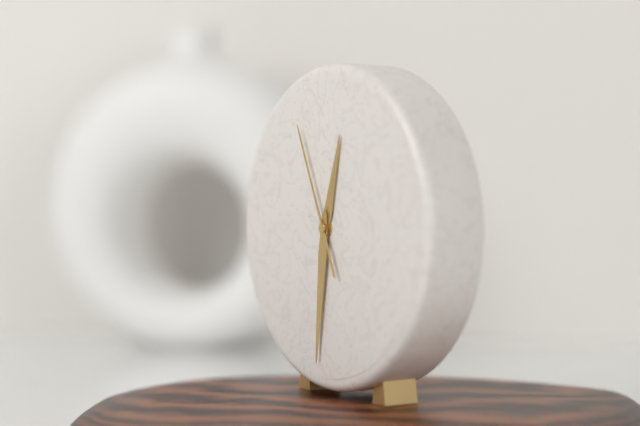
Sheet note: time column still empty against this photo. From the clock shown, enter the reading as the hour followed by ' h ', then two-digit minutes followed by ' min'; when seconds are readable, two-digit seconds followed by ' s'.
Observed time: 12 h 31 min 56 s
